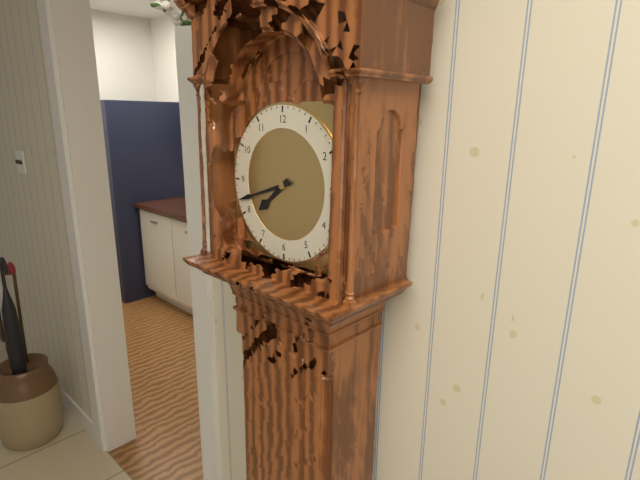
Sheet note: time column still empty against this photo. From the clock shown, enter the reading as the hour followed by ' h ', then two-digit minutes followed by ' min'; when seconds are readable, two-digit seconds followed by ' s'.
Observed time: 7 h 42 min
